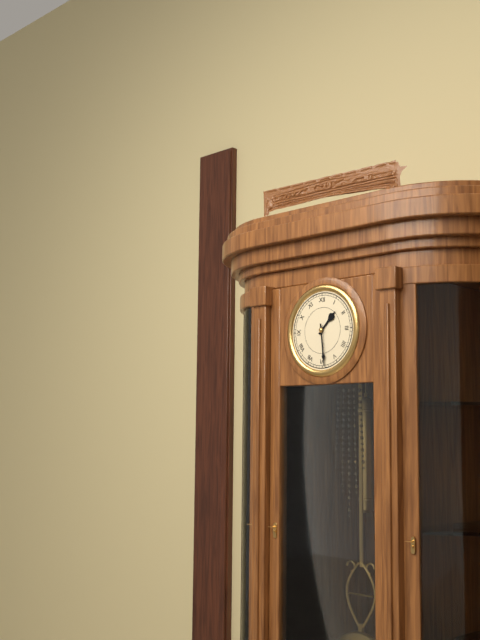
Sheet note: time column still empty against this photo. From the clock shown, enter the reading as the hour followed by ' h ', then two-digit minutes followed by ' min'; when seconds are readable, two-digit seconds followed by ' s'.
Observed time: 1 h 29 min
